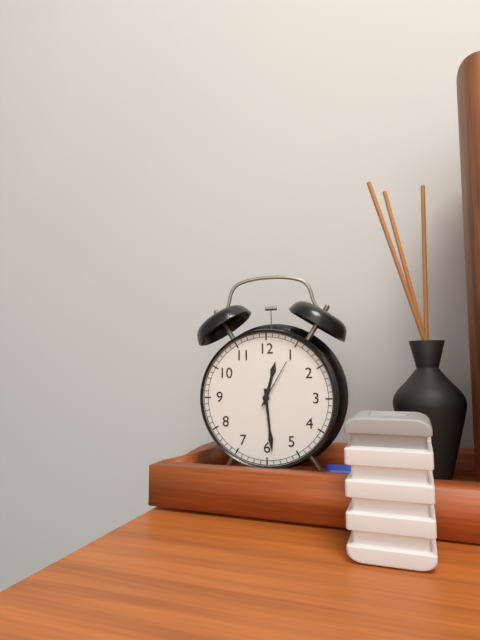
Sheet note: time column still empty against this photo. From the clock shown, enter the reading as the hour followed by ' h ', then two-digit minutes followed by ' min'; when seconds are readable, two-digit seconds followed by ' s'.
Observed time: 12 h 29 min 05 s
